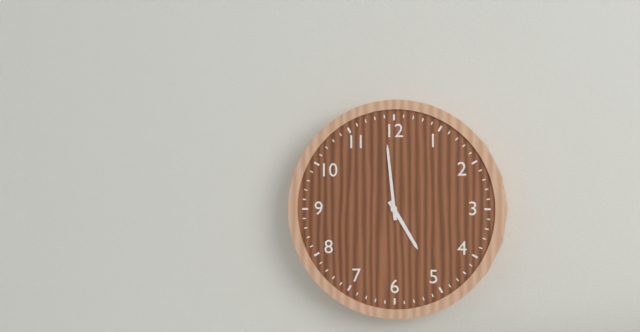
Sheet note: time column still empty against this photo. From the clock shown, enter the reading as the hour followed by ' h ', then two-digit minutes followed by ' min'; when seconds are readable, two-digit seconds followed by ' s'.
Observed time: 4 h 59 min
